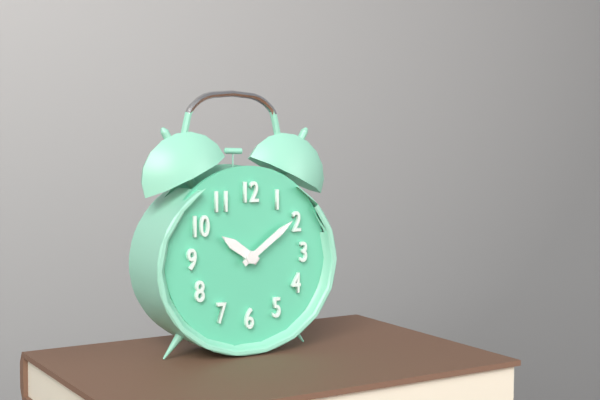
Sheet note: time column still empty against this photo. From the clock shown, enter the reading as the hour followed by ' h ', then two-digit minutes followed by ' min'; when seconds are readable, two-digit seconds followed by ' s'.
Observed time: 10 h 09 min
